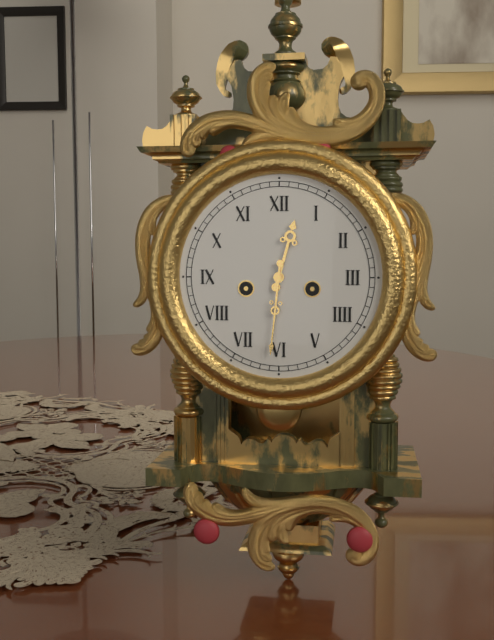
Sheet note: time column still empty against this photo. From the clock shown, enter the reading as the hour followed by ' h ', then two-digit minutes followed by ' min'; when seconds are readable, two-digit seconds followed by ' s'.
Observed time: 12 h 31 min
